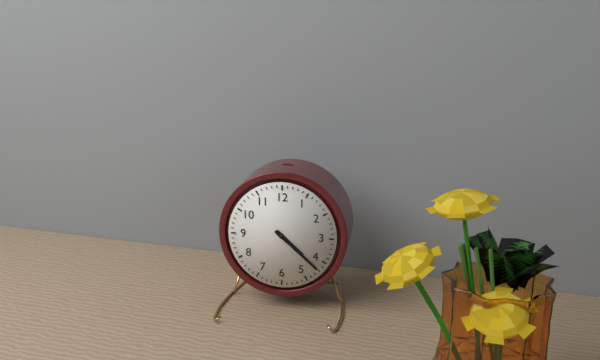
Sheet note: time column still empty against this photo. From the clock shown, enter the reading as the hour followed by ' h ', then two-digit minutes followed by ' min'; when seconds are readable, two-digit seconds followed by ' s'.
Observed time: 4 h 22 min
